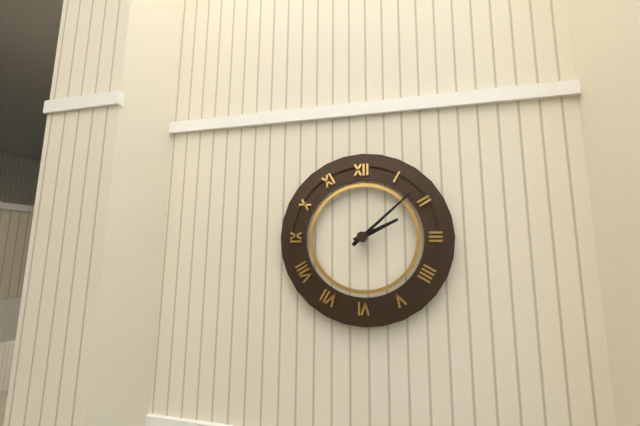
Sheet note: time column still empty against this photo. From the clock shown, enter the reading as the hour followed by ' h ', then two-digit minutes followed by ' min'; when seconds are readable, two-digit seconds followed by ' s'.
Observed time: 2 h 08 min
